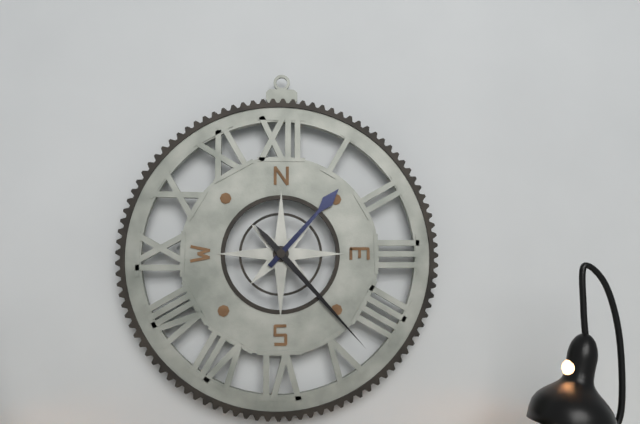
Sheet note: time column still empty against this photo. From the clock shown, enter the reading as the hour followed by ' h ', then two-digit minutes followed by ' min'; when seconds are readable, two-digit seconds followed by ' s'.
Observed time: 1 h 23 min
